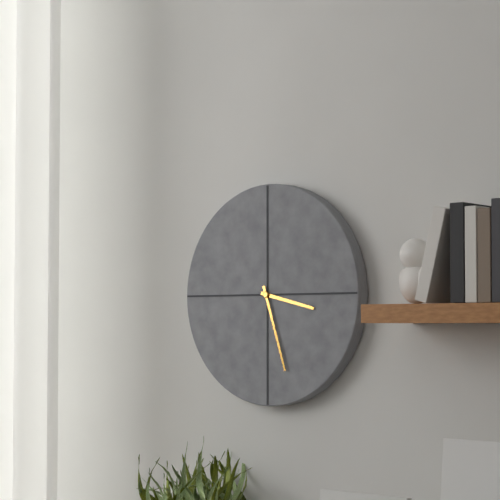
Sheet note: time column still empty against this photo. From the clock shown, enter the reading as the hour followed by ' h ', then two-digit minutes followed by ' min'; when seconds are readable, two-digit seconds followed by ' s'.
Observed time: 3 h 27 min
